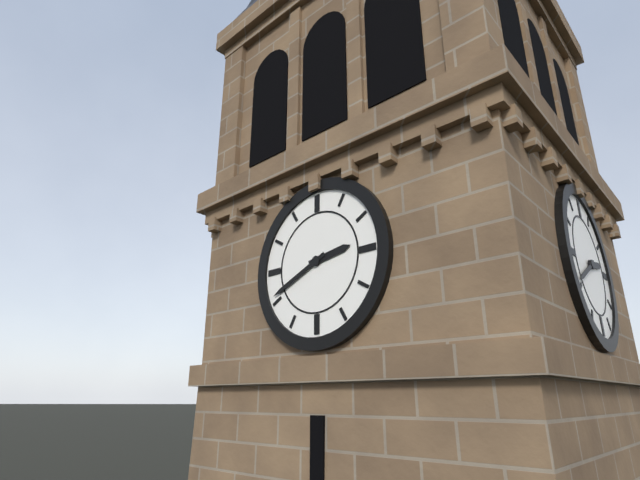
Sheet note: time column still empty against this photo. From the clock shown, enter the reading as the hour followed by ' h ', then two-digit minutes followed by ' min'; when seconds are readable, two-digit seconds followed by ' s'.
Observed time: 2 h 41 min
